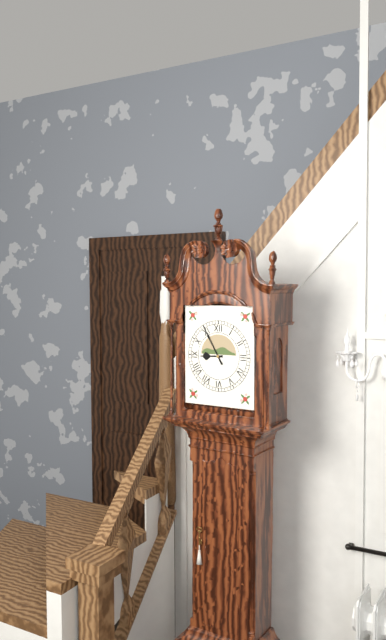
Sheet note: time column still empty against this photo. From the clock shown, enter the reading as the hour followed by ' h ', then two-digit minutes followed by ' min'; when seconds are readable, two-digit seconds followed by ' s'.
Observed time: 8 h 55 min
